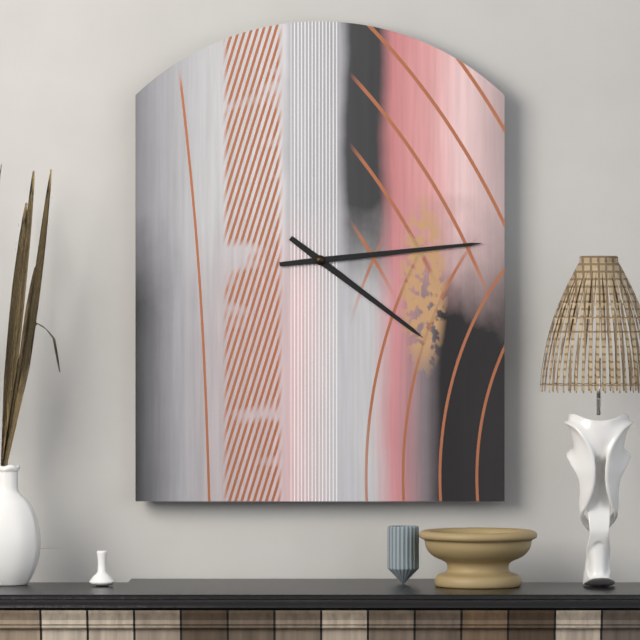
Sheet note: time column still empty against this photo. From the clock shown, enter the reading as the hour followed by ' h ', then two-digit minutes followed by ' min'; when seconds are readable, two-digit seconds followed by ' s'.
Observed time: 4 h 14 min
